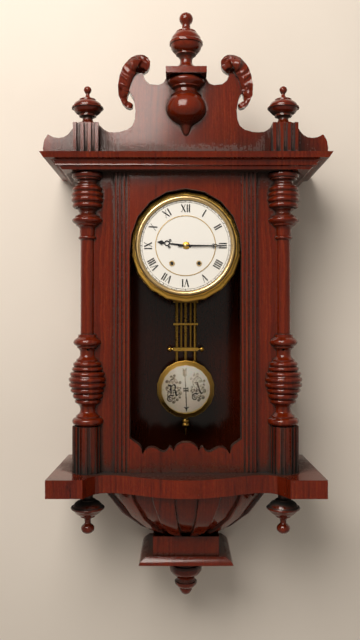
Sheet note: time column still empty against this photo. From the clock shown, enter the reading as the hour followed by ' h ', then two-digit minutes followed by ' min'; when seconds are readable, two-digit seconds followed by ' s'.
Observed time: 9 h 15 min
